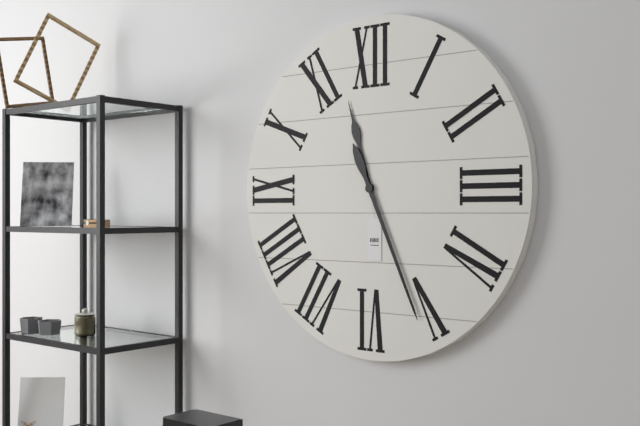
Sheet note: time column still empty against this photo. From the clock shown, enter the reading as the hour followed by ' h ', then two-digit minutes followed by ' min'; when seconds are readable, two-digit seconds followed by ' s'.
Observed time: 11 h 26 min
